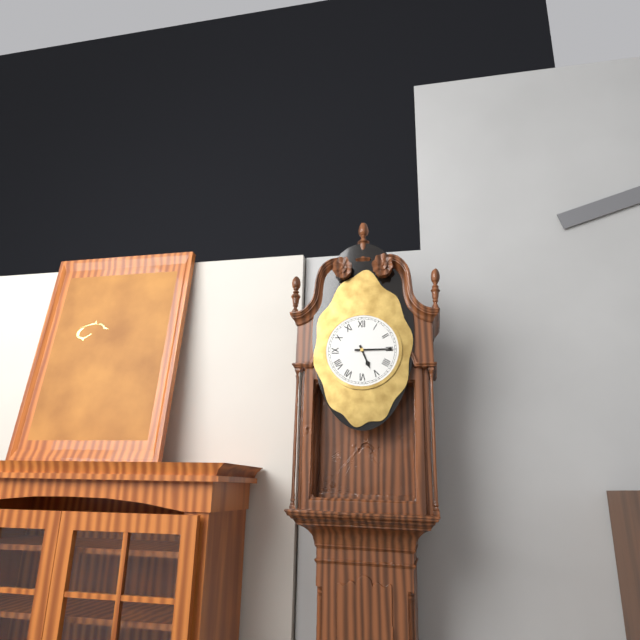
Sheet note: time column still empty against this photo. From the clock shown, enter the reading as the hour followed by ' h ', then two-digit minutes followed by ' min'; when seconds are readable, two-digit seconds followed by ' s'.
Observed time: 5 h 15 min
